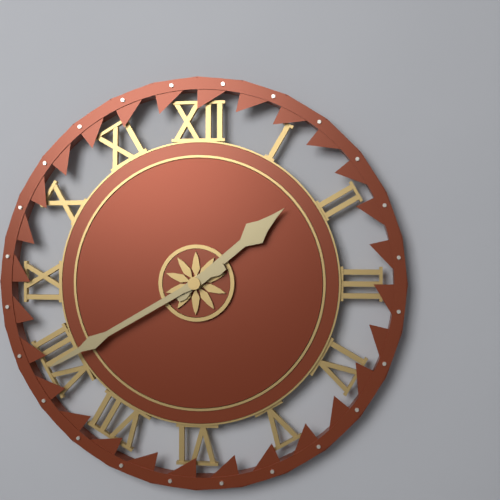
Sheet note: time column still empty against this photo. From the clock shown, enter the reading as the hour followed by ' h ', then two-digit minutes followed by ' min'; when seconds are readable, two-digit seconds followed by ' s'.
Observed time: 1 h 40 min
